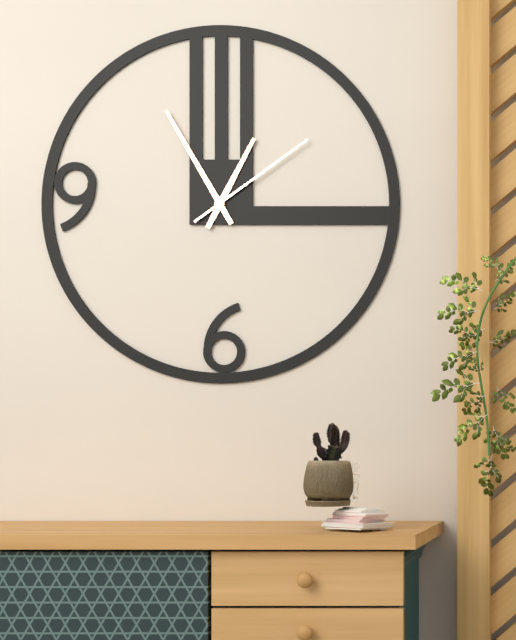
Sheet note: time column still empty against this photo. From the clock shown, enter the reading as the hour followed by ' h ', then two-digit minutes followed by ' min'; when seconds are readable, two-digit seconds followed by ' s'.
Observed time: 12 h 55 min 09 s
